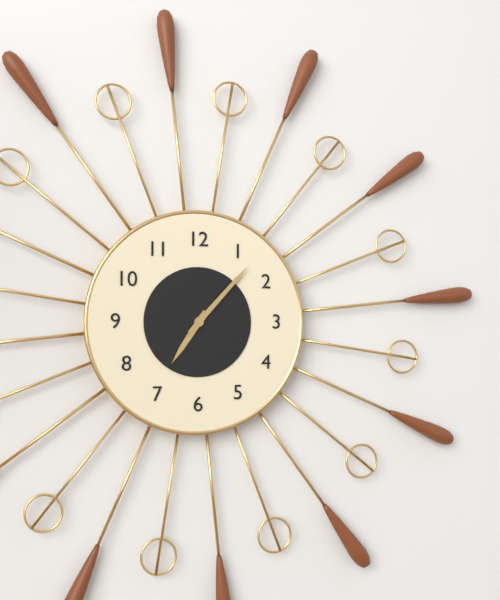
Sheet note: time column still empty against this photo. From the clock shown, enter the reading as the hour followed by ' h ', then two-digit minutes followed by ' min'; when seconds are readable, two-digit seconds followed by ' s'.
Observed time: 7 h 07 min
